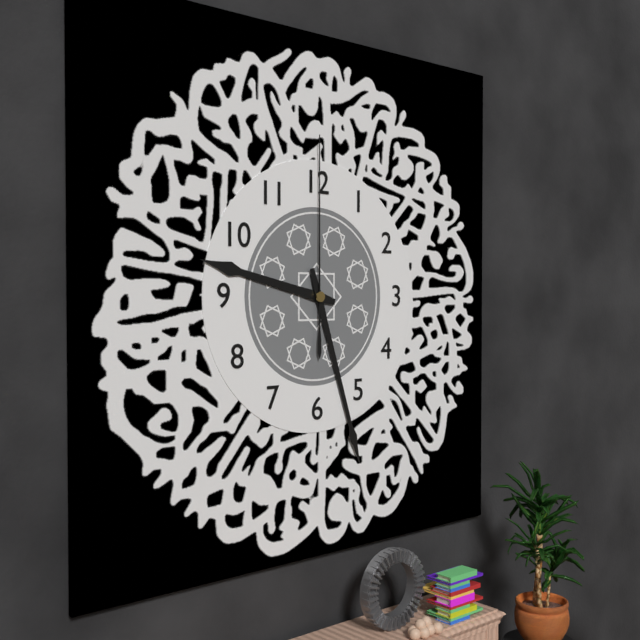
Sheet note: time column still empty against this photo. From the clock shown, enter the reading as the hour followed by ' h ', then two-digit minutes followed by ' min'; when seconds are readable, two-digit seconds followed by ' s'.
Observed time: 9 h 27 min 00 s
